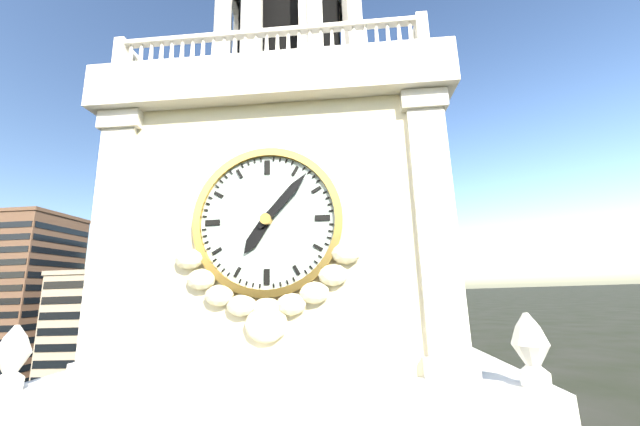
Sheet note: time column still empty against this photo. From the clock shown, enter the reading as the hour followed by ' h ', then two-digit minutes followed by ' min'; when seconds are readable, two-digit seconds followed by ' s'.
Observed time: 7 h 07 min
